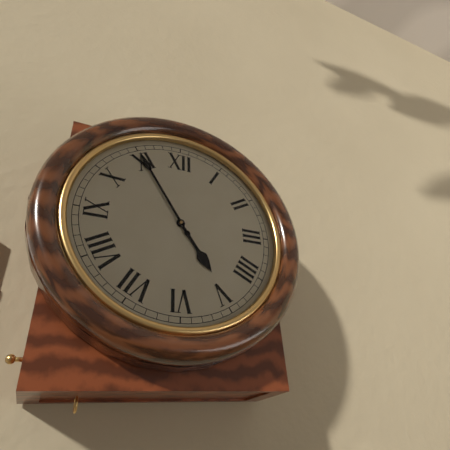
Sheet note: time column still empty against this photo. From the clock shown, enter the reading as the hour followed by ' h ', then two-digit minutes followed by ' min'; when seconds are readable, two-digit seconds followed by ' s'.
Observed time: 4 h 55 min
